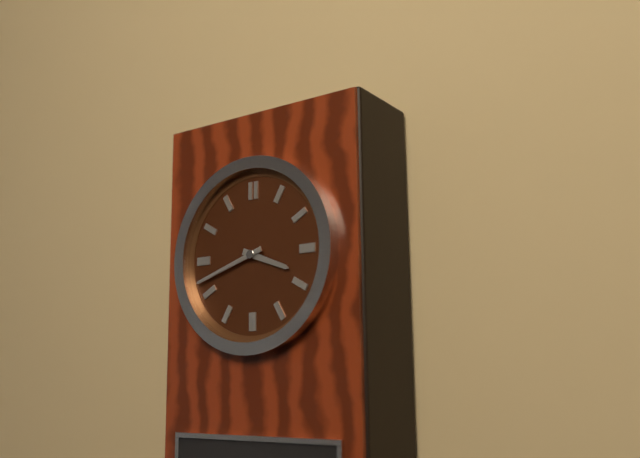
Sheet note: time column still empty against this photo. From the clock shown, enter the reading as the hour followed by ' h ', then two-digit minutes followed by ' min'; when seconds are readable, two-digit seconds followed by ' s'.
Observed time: 3 h 42 min
